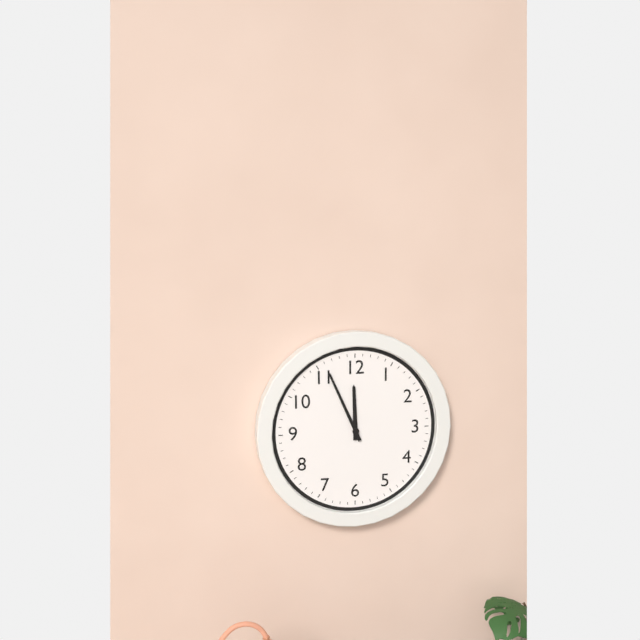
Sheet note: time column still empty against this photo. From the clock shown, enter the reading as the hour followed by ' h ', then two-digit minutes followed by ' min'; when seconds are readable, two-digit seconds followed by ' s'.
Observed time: 11 h 56 min
